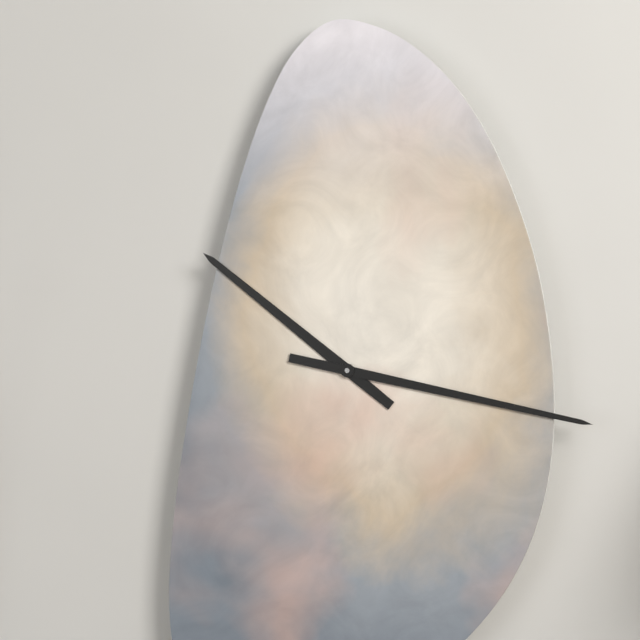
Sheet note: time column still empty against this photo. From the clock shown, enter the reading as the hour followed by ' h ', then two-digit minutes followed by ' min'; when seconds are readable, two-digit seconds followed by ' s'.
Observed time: 10 h 17 min
